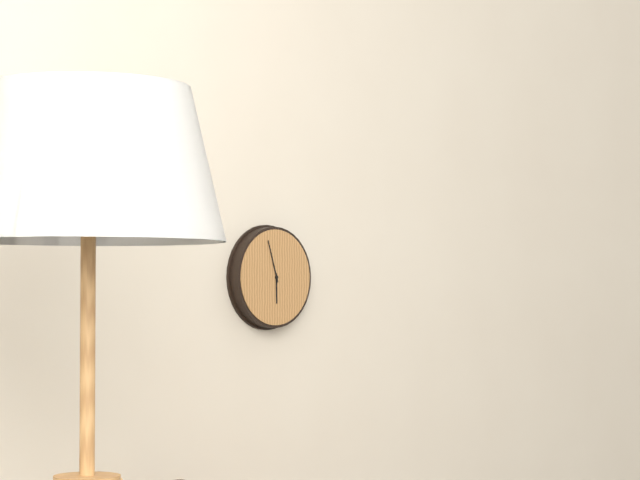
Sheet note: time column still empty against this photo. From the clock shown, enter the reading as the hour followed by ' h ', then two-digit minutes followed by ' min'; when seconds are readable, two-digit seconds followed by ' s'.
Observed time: 5 h 57 min
